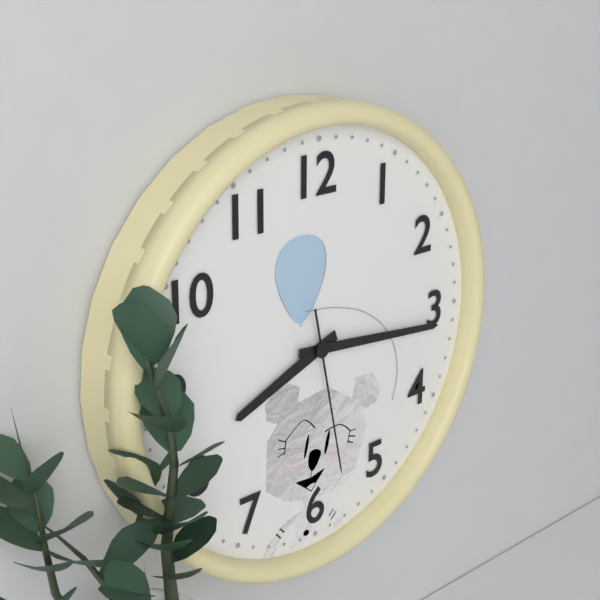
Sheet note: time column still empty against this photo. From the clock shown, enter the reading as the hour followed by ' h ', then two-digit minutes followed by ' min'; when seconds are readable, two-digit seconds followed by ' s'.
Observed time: 8 h 16 min 28 s
